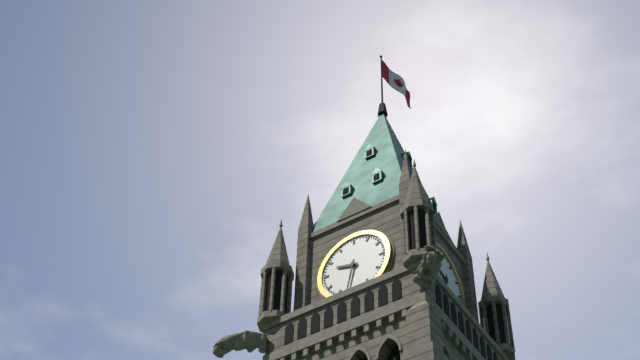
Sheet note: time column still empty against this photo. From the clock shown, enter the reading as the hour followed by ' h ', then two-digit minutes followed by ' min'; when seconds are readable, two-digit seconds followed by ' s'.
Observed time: 9 h 32 min
